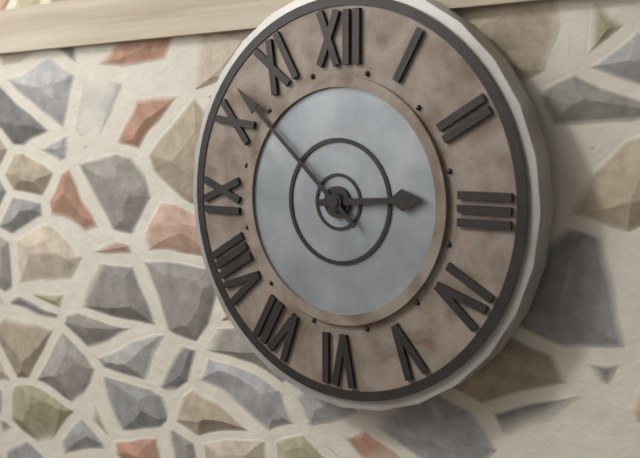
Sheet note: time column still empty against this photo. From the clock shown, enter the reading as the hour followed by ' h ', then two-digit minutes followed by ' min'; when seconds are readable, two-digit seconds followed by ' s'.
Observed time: 2 h 52 min
